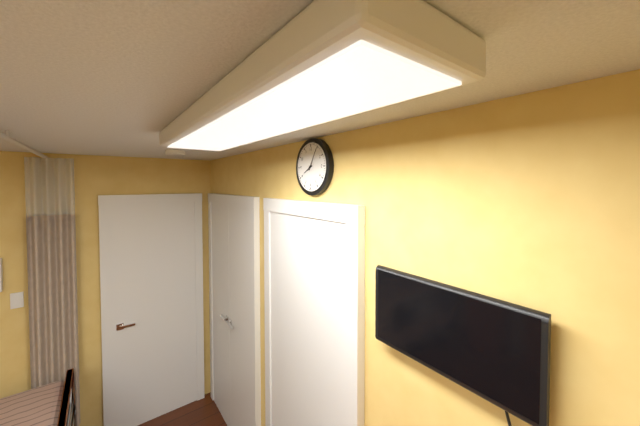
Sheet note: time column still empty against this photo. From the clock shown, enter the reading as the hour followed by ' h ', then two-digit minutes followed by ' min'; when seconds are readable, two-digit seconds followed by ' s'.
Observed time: 8 h 05 min
